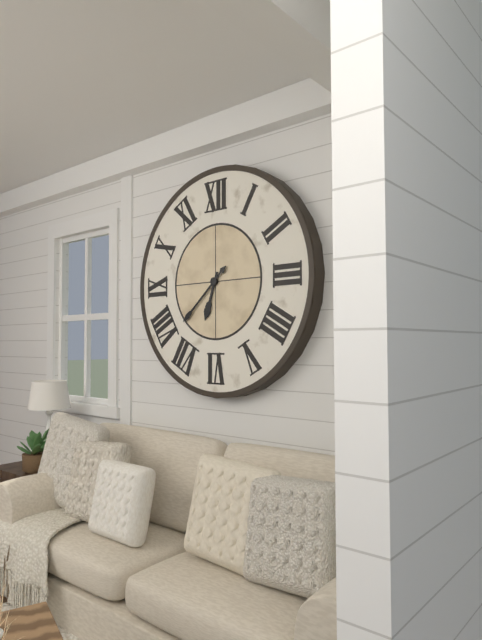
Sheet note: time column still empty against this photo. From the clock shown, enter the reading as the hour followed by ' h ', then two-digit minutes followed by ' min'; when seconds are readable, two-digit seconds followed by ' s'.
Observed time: 6 h 38 min
